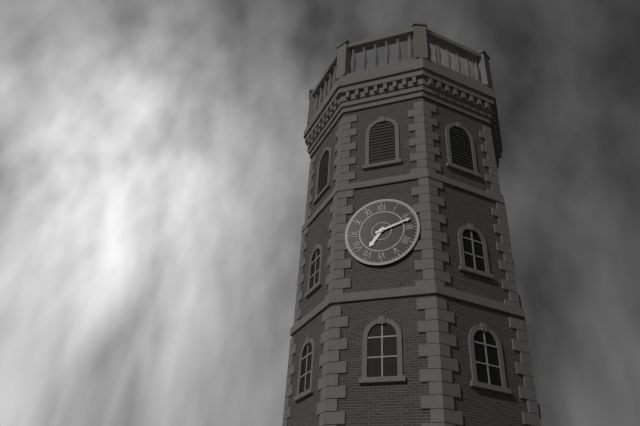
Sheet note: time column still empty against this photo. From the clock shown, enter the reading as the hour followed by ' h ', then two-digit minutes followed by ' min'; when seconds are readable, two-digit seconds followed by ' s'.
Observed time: 7 h 12 min
